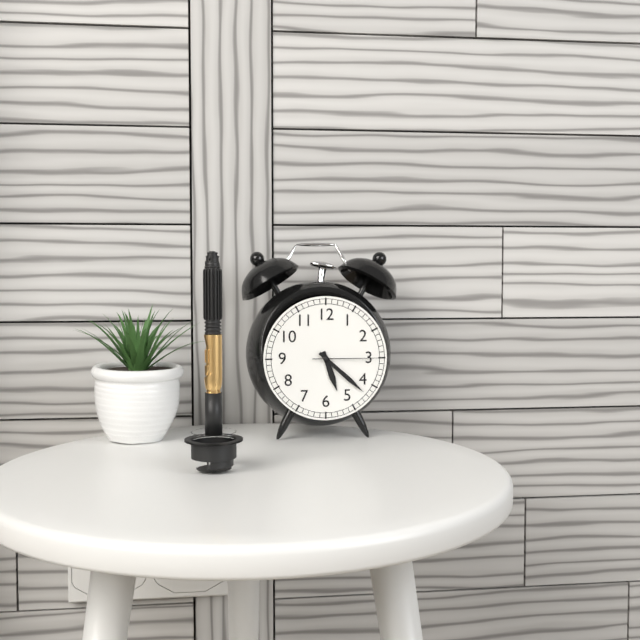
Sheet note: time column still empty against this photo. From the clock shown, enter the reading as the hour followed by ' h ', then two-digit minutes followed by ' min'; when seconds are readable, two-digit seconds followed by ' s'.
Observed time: 5 h 22 min 15 s
